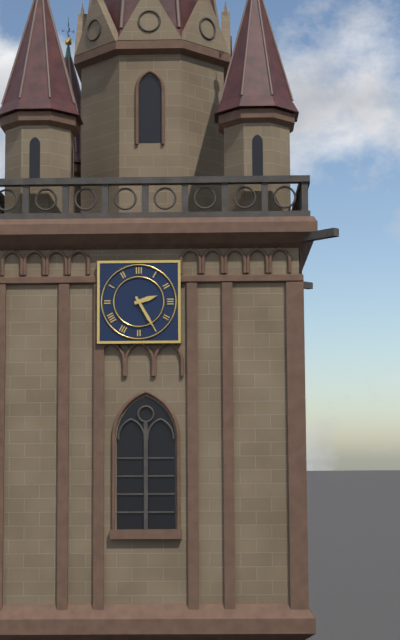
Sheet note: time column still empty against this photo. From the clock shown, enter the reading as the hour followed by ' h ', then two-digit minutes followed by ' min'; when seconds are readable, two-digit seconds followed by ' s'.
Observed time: 2 h 25 min
